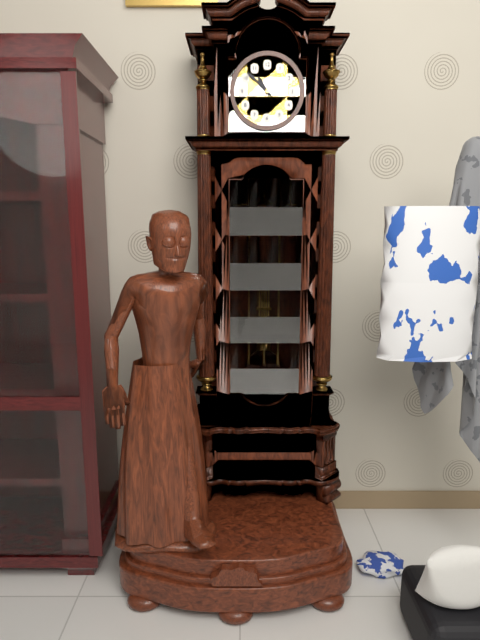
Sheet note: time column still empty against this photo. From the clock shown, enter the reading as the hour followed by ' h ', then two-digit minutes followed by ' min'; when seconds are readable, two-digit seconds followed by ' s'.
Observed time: 10 h 52 min
